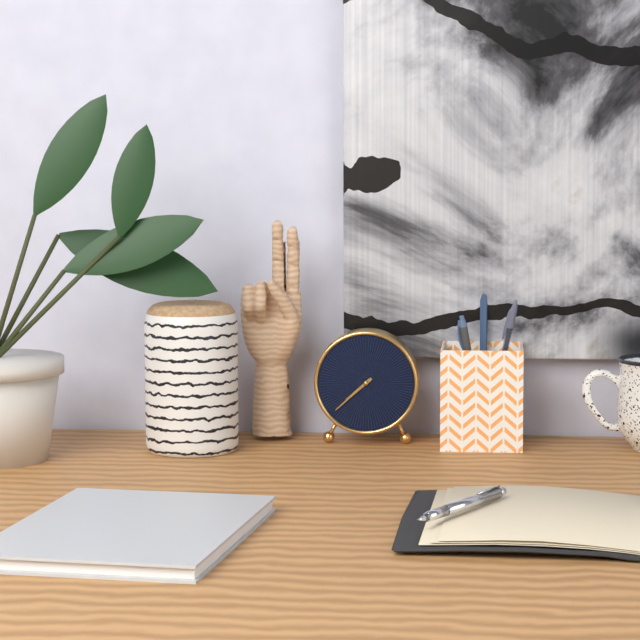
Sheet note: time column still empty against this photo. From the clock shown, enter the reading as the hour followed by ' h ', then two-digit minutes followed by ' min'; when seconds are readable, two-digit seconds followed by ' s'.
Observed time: 7 h 38 min
